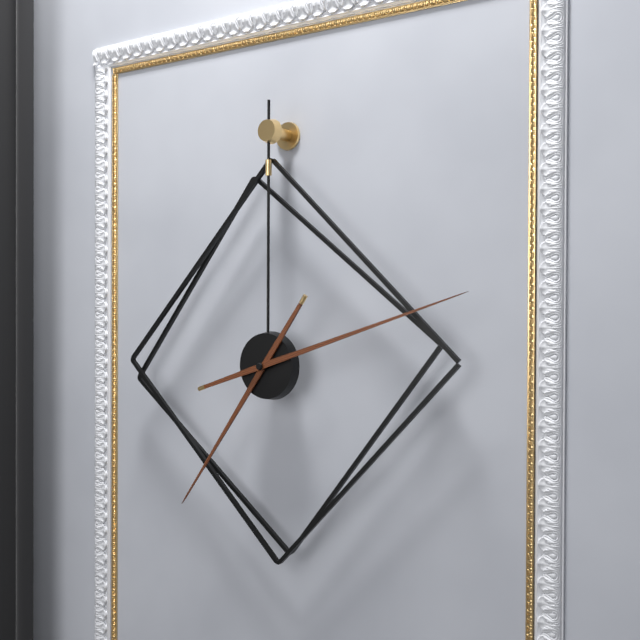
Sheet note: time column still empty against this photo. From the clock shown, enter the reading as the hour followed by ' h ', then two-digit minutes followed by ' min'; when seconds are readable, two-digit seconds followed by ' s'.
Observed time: 7 h 12 min
